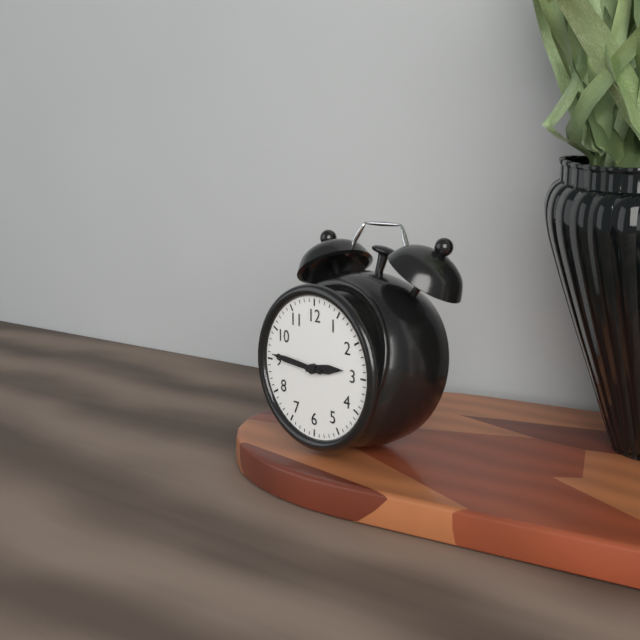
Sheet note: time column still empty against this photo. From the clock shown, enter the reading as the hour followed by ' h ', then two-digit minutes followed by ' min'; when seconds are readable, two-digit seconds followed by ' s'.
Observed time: 2 h 46 min
